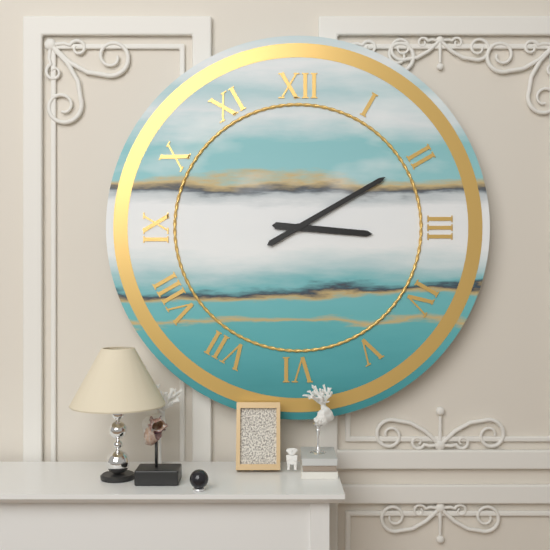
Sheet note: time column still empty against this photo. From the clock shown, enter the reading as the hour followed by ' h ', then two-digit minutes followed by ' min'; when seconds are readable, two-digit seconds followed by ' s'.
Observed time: 3 h 10 min
